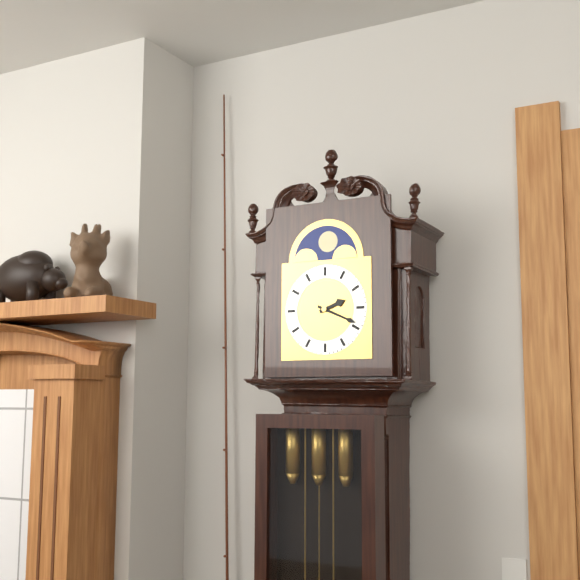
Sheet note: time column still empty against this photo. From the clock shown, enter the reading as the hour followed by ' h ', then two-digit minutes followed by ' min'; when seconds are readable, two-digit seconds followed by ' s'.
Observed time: 2 h 19 min
